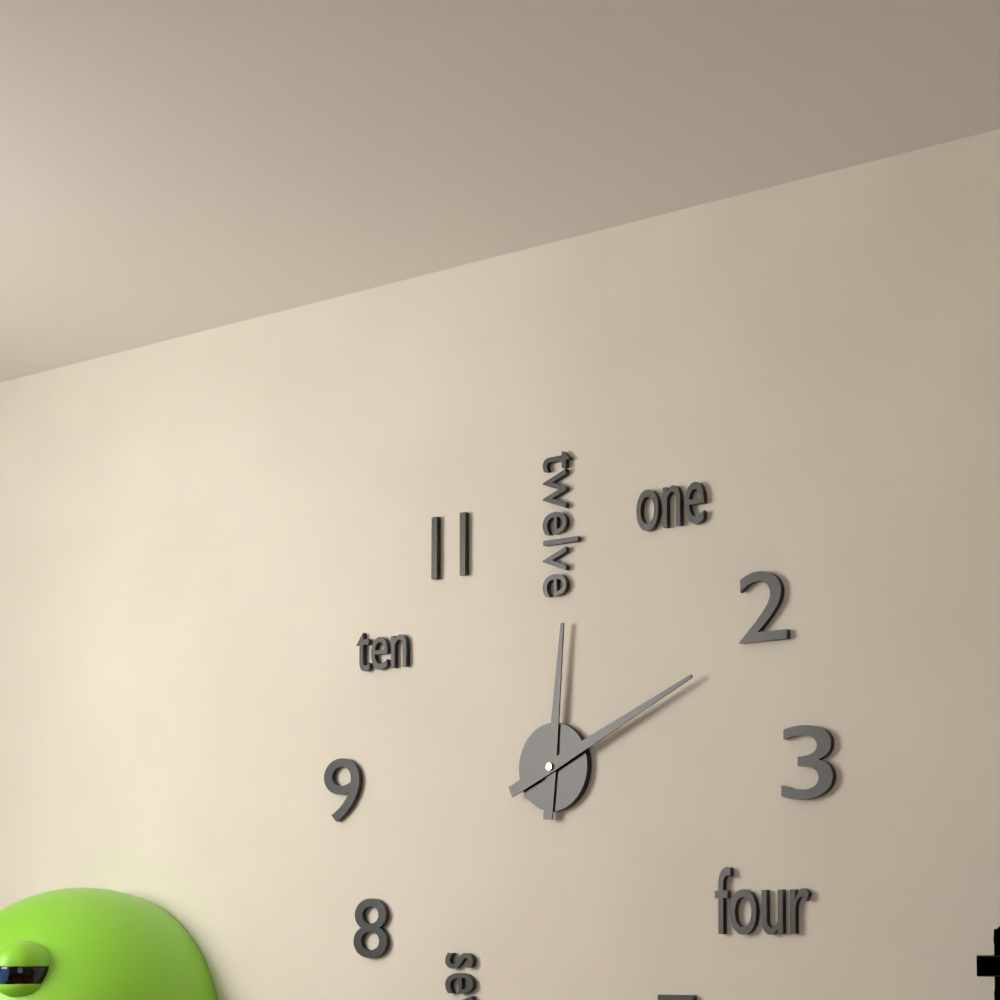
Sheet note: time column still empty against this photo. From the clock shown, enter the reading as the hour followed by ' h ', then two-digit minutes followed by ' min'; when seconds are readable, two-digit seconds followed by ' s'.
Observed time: 12 h 11 min
